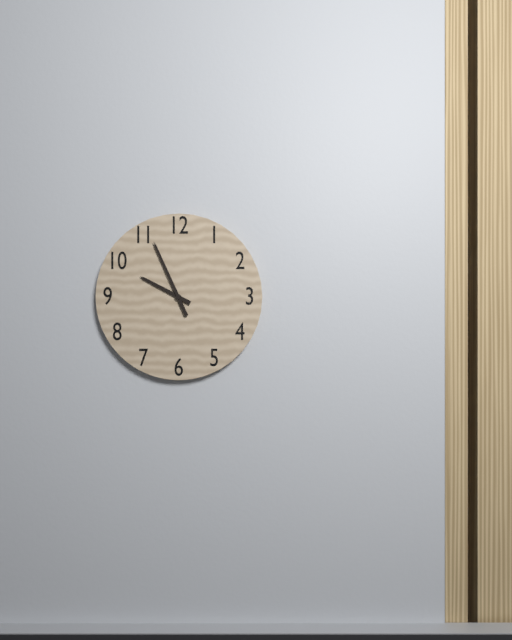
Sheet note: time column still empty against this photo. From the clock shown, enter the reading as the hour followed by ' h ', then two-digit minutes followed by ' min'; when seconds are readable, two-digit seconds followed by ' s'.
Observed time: 9 h 56 min
